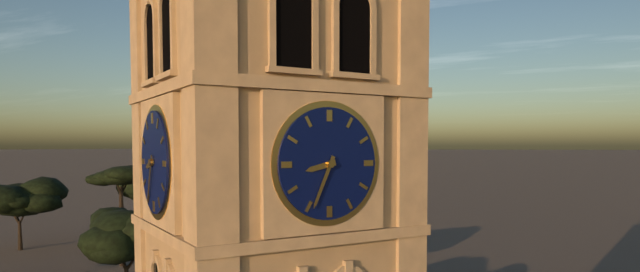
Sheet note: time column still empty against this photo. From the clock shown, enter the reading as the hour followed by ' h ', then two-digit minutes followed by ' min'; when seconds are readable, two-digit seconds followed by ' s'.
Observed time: 8 h 34 min
